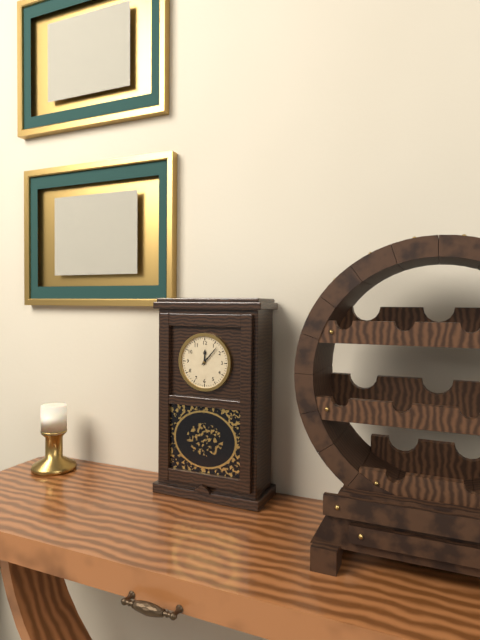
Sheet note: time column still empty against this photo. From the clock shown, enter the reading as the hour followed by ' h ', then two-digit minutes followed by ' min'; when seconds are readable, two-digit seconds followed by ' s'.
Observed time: 12 h 07 min
